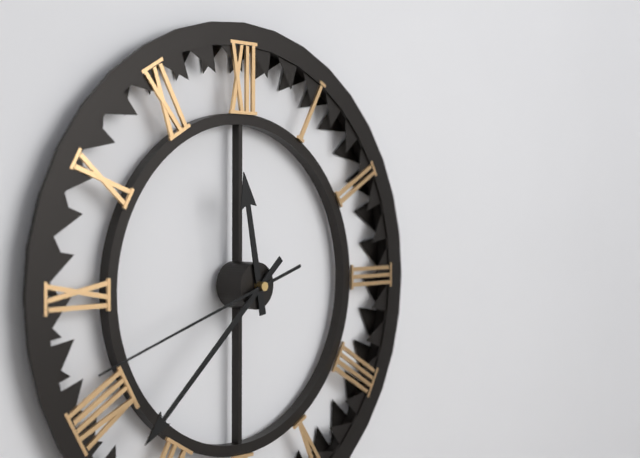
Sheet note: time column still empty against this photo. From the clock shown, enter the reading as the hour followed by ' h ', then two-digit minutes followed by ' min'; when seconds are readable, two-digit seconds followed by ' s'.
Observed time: 11 h 38 min 42 s
